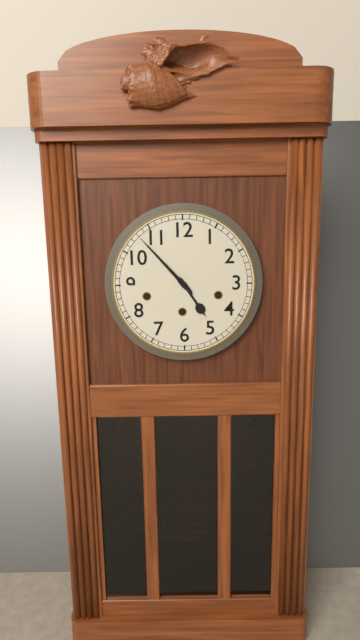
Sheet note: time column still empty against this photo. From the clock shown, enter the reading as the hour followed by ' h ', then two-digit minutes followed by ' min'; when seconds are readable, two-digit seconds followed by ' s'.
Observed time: 4 h 53 min
